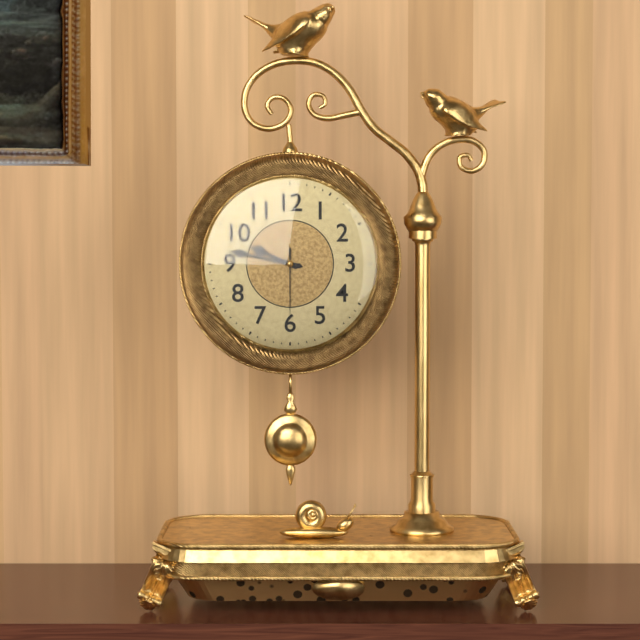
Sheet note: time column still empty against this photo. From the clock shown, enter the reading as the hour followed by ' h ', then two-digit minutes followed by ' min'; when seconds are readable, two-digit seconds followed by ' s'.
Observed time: 9 h 47 min 30 s
